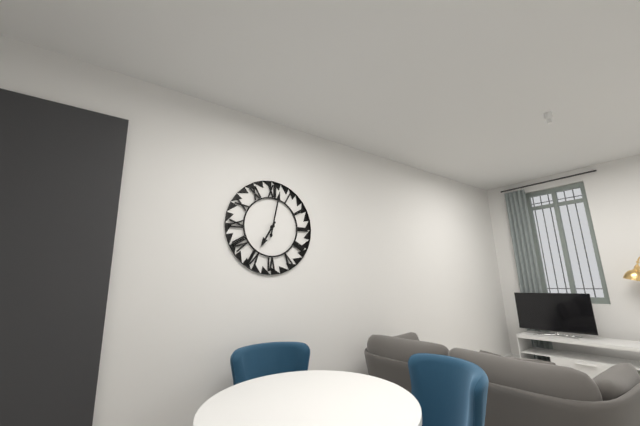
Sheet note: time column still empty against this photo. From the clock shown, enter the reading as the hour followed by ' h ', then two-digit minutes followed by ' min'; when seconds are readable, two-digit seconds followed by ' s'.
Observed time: 7 h 02 min
